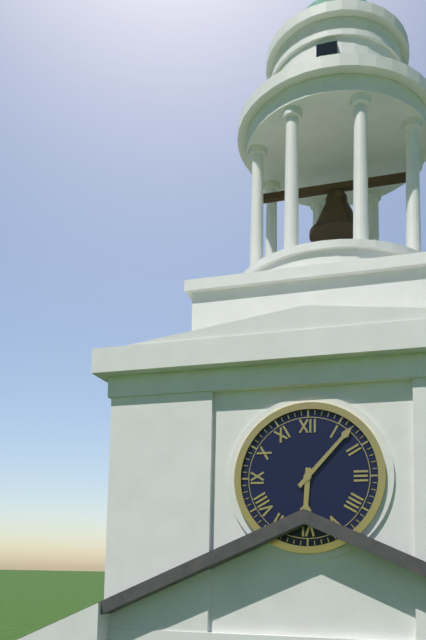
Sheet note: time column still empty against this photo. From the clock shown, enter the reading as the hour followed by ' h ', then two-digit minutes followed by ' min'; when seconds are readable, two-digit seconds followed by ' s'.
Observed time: 6 h 07 min
